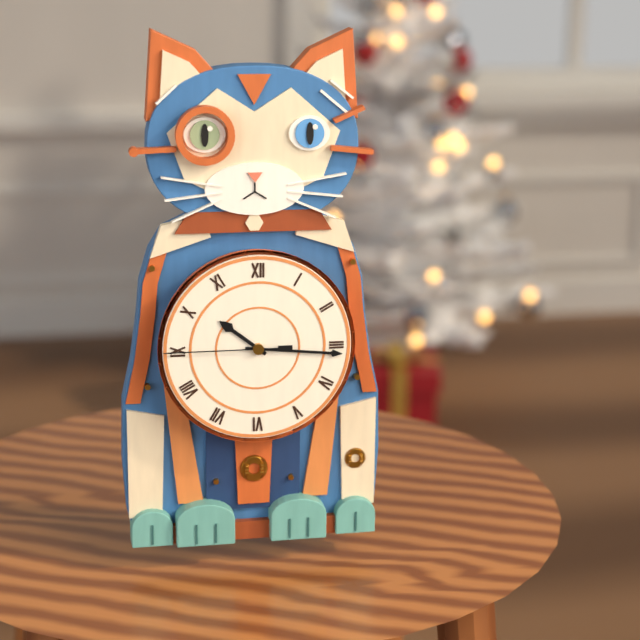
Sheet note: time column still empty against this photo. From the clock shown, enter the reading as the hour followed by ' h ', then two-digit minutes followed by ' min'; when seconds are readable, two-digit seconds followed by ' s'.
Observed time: 10 h 16 min 45 s
